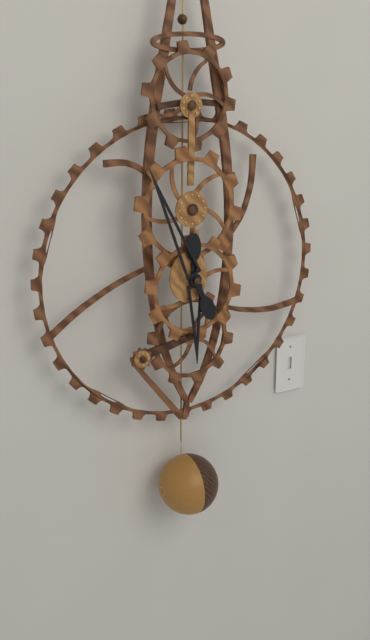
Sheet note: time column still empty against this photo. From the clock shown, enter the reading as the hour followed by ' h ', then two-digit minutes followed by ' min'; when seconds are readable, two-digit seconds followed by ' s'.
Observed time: 5 h 56 min
